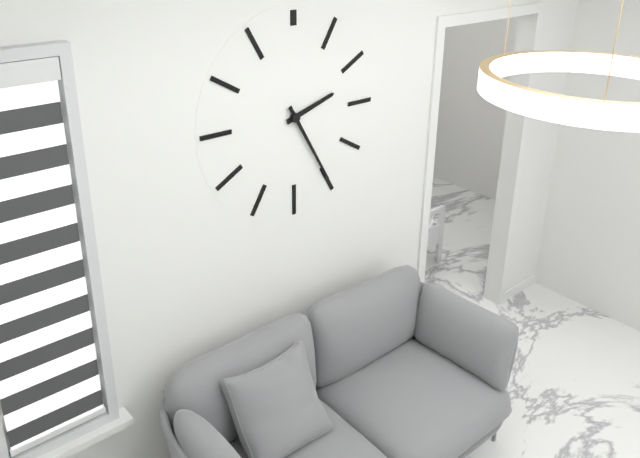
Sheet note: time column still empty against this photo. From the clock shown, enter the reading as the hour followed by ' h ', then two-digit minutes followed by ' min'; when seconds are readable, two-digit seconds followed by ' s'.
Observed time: 2 h 25 min
